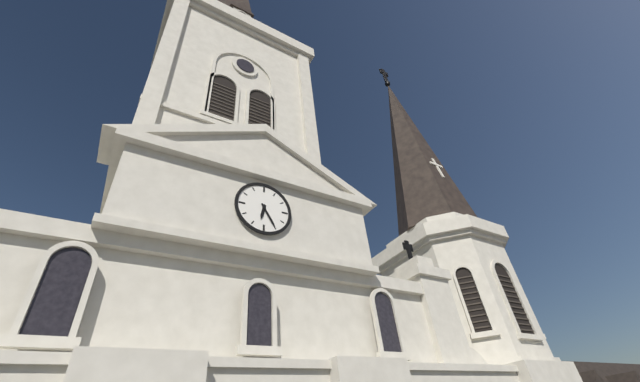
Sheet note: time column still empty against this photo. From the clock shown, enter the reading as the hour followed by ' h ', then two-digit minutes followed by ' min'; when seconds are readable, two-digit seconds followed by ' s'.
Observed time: 6 h 25 min
